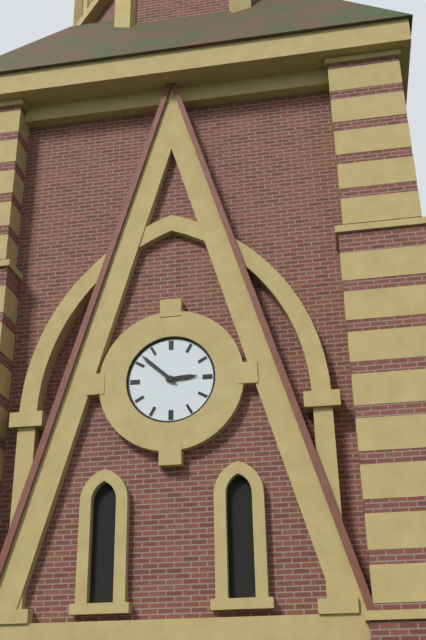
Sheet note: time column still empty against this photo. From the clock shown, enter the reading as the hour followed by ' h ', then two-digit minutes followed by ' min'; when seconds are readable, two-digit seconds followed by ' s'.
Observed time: 2 h 52 min
